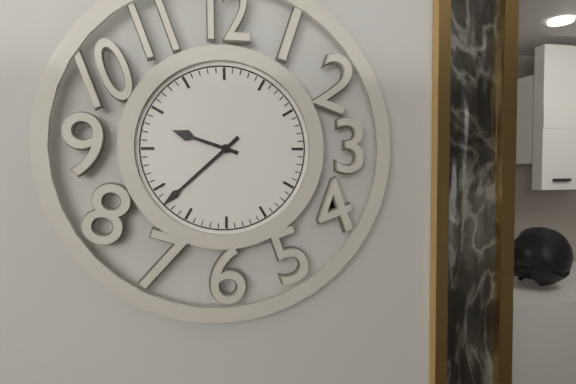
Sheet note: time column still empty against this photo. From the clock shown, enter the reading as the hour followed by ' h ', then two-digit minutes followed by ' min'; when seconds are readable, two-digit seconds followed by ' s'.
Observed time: 9 h 38 min
